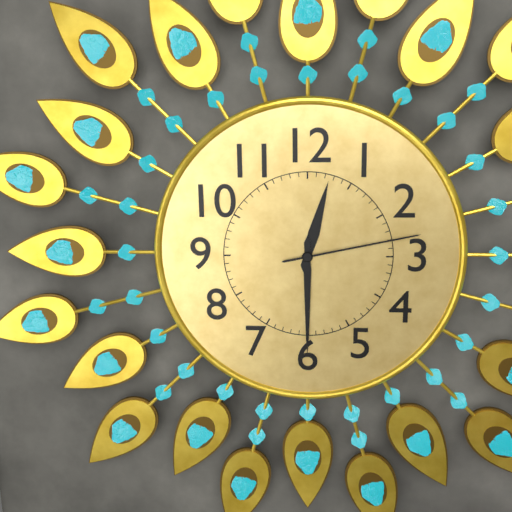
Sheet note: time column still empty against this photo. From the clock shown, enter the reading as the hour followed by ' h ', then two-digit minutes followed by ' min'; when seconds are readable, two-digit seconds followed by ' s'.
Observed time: 12 h 30 min 13 s
